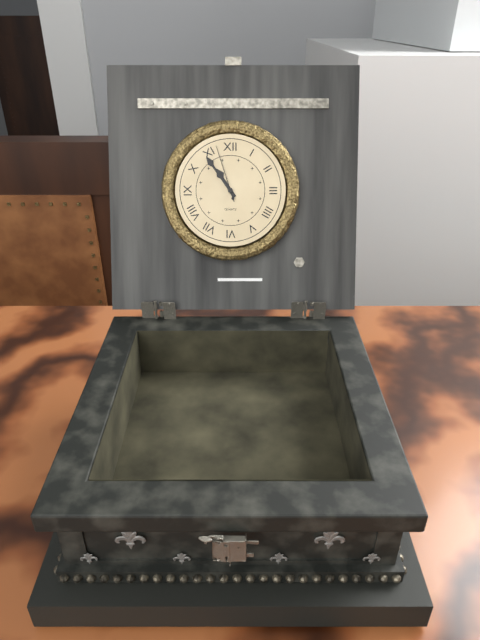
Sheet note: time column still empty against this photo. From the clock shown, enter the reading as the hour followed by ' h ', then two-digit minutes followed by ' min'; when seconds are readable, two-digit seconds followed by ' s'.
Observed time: 10 h 54 min 57 s
